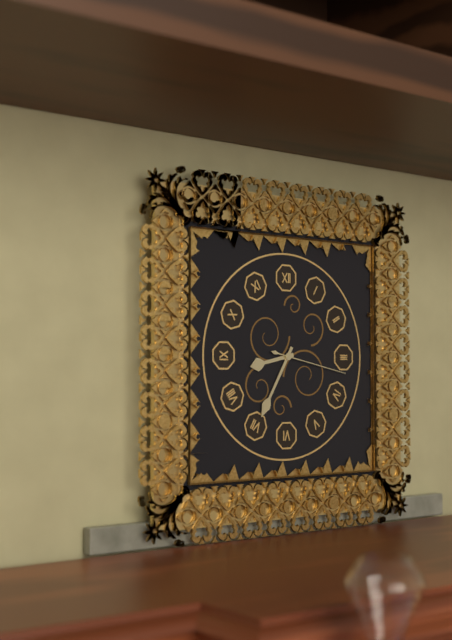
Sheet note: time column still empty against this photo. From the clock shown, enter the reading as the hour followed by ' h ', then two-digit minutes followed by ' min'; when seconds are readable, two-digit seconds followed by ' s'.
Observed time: 8 h 35 min 17 s
